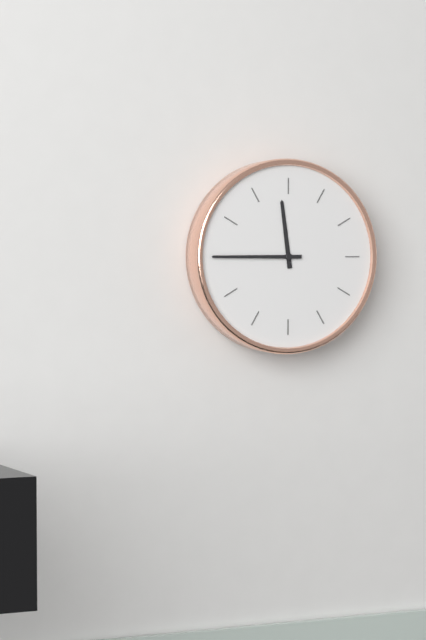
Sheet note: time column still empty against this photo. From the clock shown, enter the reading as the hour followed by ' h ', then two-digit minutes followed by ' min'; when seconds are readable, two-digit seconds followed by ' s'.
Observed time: 11 h 45 min
